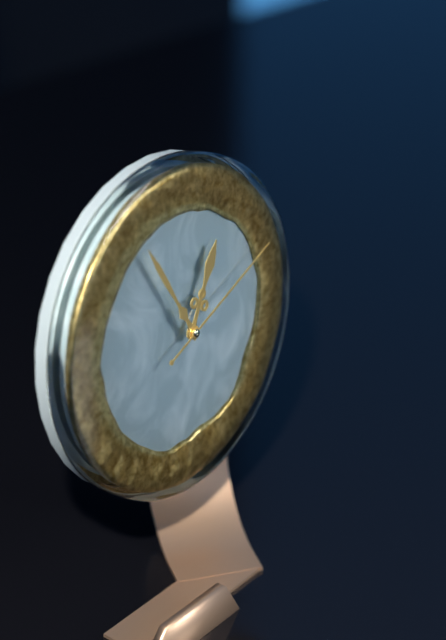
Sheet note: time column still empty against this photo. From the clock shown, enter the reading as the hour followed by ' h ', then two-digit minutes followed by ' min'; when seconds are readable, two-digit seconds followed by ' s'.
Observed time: 12 h 55 min 11 s
